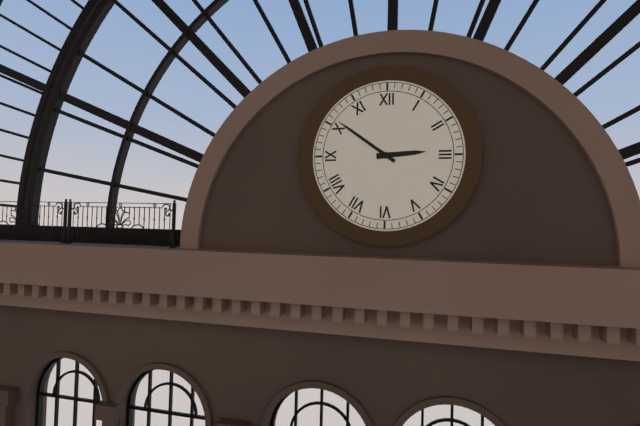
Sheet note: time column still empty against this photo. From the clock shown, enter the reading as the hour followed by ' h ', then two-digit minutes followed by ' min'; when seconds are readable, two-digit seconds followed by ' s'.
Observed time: 2 h 51 min
